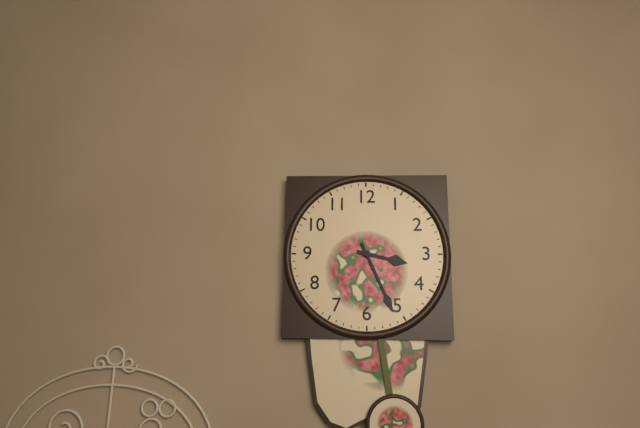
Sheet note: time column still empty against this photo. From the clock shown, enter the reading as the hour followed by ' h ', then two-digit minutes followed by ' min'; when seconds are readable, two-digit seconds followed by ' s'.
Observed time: 3 h 26 min
